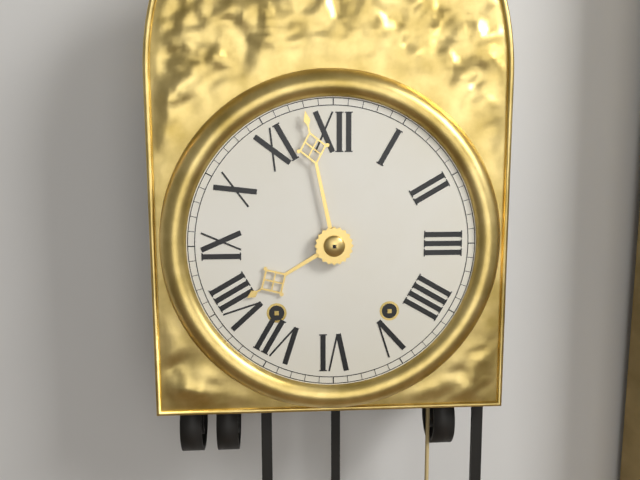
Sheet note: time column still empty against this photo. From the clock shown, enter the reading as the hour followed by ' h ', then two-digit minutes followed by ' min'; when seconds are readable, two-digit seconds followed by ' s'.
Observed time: 7 h 58 min
